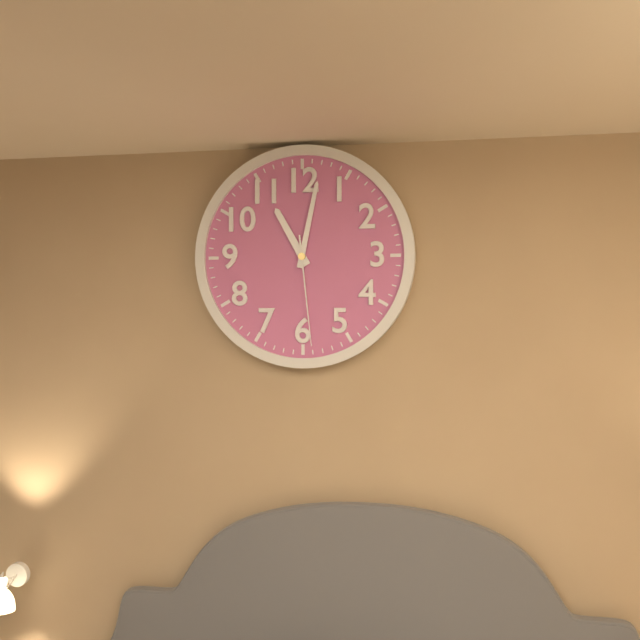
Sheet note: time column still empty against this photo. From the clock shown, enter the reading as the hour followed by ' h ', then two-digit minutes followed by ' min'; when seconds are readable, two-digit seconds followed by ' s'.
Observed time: 11 h 02 min 29 s
